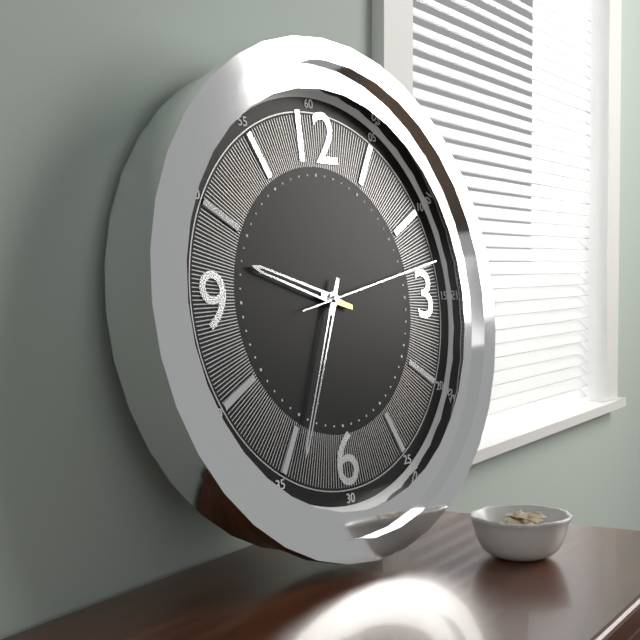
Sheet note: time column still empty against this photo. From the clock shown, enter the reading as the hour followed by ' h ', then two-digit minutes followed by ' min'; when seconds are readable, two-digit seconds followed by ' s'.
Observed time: 9 h 34 min 13 s
